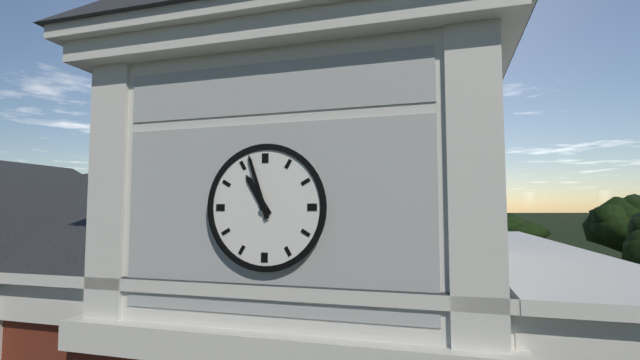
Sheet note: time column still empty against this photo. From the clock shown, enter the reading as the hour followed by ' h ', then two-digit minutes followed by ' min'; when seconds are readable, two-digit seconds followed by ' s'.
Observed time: 10 h 57 min
